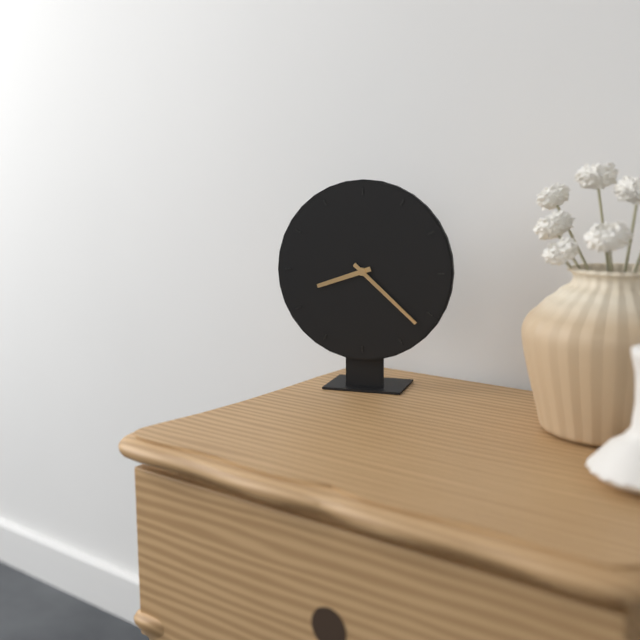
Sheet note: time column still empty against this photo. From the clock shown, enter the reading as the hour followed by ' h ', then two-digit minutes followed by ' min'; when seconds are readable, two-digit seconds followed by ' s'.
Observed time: 8 h 22 min
